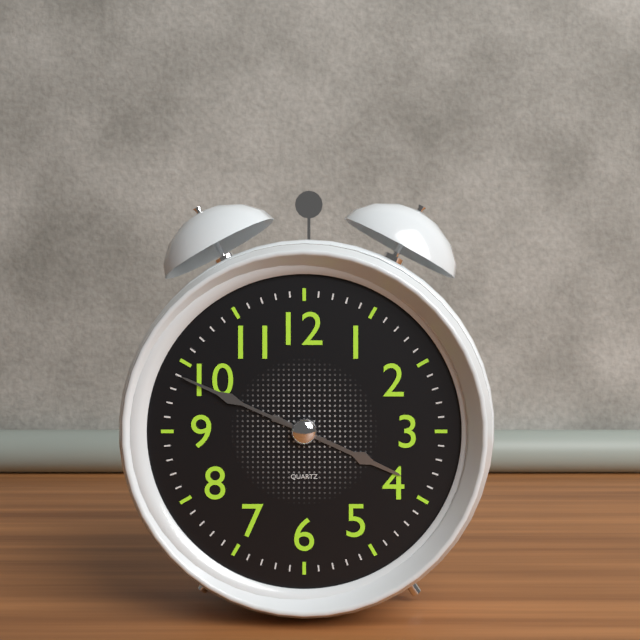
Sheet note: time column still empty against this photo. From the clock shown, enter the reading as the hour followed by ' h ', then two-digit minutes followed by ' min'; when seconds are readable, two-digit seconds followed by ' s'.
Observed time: 3 h 49 min
